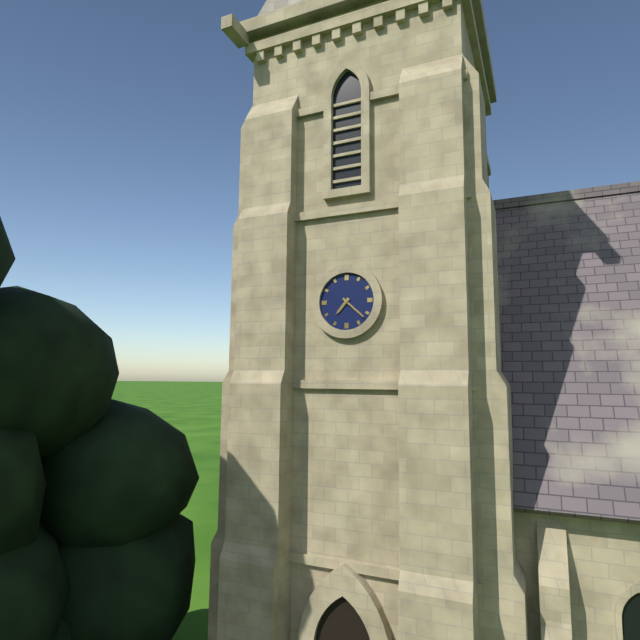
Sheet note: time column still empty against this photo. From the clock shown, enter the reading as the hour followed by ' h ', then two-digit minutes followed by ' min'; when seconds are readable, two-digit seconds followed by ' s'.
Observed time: 7 h 22 min
